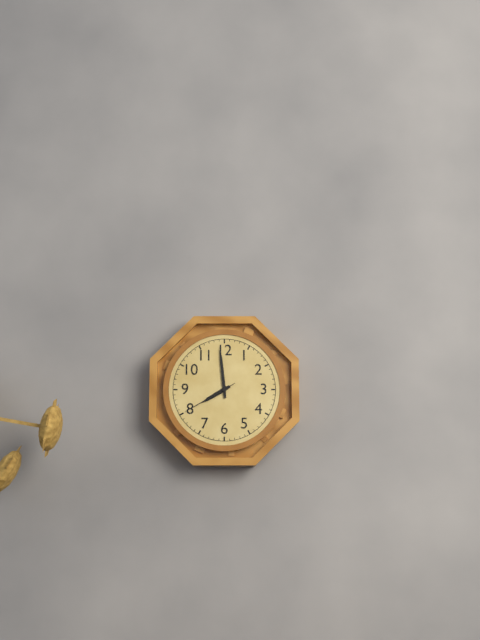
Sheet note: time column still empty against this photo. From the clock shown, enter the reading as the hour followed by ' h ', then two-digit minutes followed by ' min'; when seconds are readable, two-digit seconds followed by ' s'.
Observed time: 7 h 59 min 40 s
